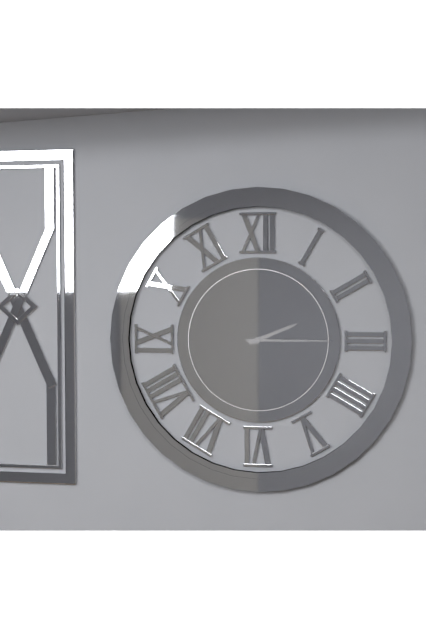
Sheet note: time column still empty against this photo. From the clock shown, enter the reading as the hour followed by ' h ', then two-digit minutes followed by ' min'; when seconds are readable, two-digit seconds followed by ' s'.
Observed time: 2 h 15 min
